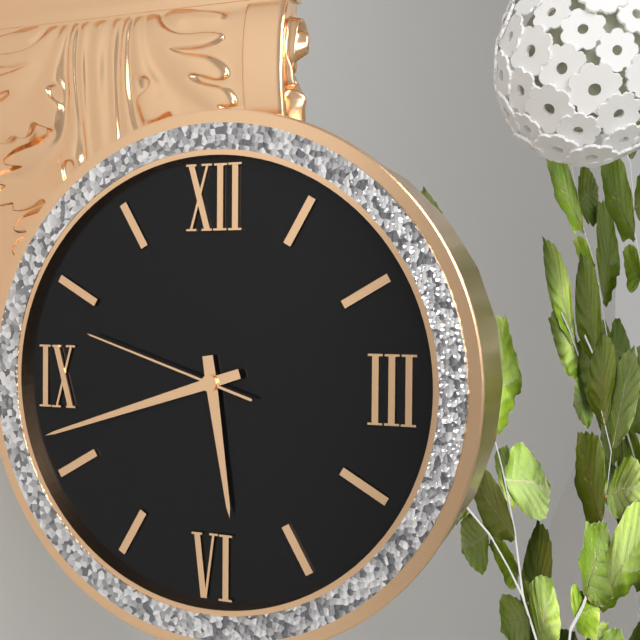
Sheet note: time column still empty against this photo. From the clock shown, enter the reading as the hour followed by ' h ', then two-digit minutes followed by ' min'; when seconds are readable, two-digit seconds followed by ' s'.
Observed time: 5 h 42 min 48 s
